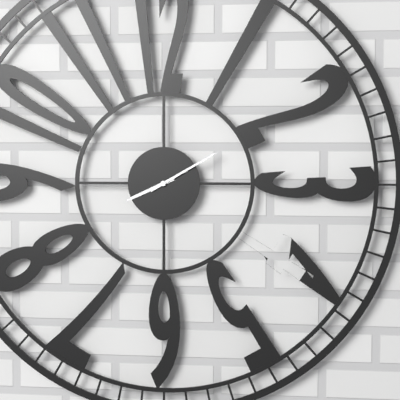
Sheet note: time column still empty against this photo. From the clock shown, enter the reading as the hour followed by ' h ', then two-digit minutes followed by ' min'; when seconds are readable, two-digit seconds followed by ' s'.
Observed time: 8 h 10 min
